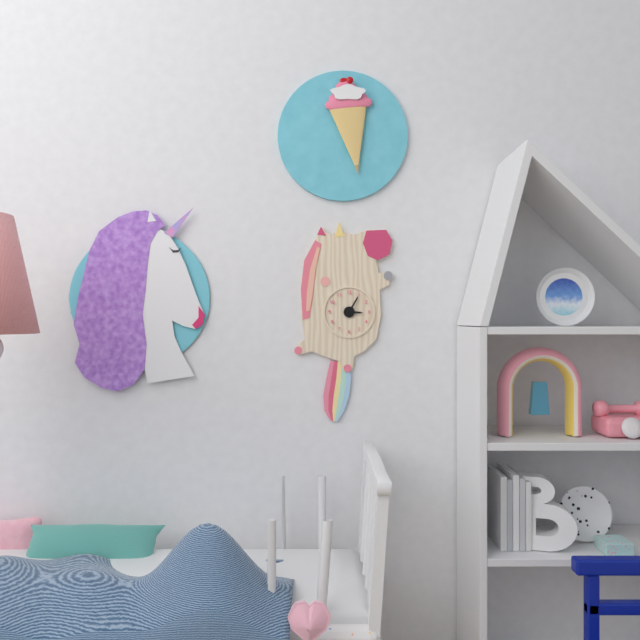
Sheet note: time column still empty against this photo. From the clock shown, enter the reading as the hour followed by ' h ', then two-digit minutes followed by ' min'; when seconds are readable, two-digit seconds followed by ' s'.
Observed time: 3 h 05 min
